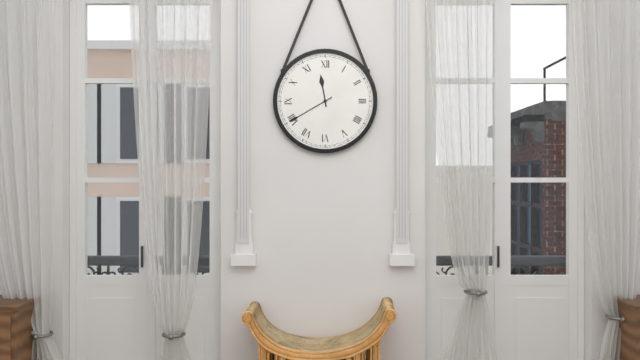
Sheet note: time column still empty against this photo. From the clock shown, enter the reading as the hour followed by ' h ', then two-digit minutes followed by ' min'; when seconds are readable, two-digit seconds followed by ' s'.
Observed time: 11 h 40 min
